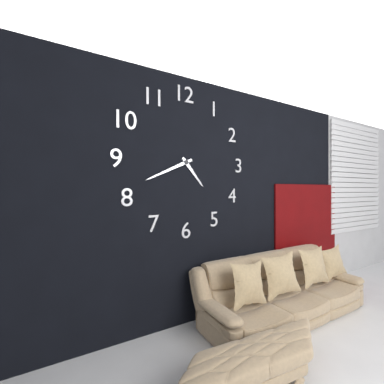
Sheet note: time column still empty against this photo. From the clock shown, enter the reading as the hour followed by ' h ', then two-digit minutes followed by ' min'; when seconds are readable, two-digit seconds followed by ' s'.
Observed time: 4 h 41 min
